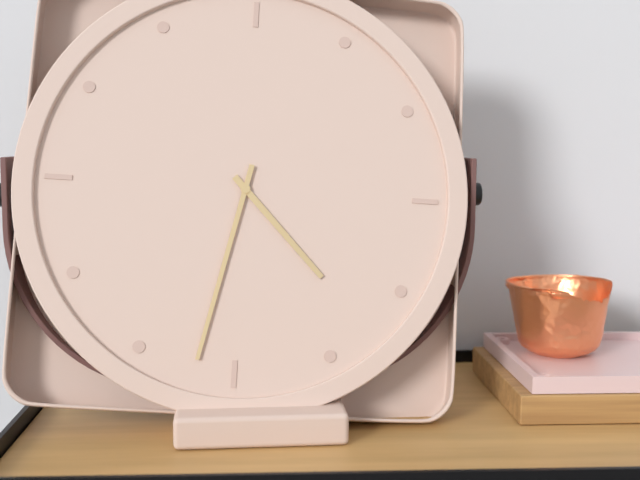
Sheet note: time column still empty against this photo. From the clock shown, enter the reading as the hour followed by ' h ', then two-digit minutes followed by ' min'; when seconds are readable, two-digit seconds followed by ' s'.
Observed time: 4 h 32 min
